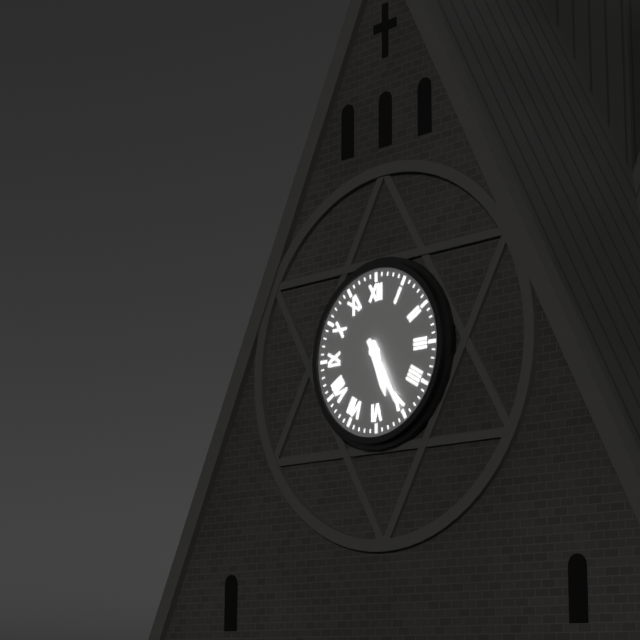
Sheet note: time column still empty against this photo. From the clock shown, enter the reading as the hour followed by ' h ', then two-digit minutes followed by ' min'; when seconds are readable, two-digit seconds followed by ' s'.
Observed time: 5 h 25 min
